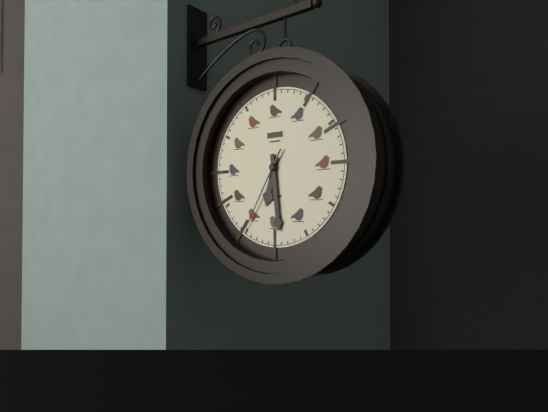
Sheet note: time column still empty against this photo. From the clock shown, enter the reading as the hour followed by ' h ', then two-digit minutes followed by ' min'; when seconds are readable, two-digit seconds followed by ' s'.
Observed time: 6 h 29 min 35 s
